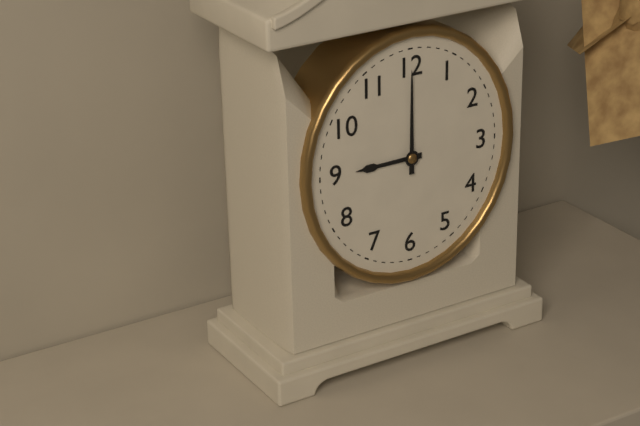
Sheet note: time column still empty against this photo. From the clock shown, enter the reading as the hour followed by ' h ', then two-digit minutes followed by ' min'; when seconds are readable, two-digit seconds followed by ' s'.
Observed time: 9 h 00 min
